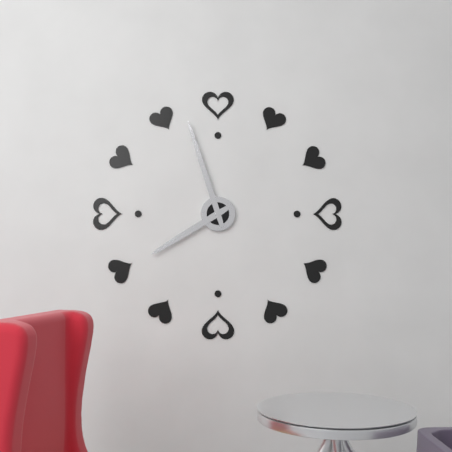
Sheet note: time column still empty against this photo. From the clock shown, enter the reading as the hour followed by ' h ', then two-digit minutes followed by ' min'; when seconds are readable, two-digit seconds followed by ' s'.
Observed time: 7 h 57 min
